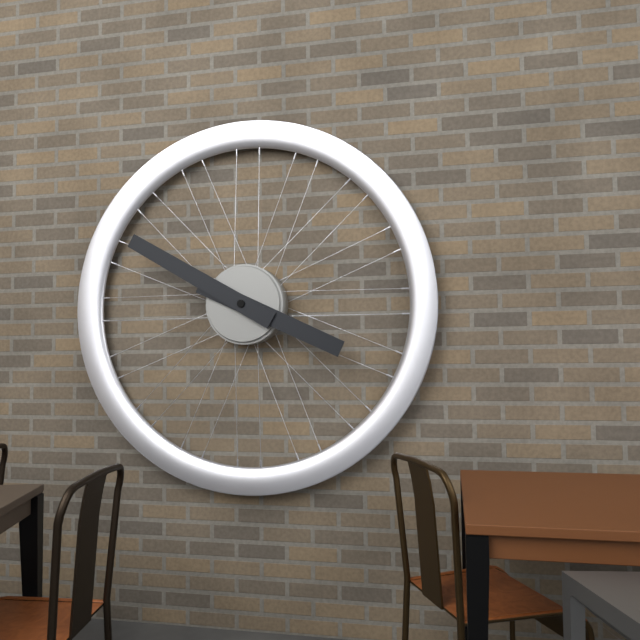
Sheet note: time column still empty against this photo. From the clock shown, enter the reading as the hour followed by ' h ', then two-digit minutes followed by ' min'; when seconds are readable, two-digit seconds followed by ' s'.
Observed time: 3 h 50 min
